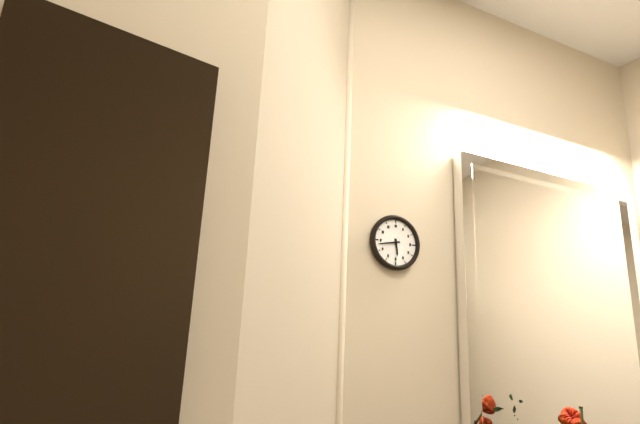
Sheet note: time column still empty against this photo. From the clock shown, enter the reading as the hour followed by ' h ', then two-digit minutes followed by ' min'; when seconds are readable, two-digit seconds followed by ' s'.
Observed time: 5 h 43 min
